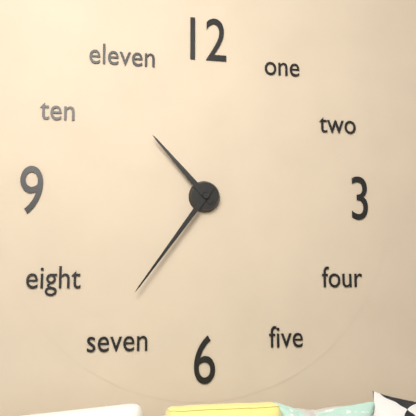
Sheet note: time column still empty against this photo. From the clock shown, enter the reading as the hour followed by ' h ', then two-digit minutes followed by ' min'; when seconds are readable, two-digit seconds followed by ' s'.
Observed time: 10 h 36 min
